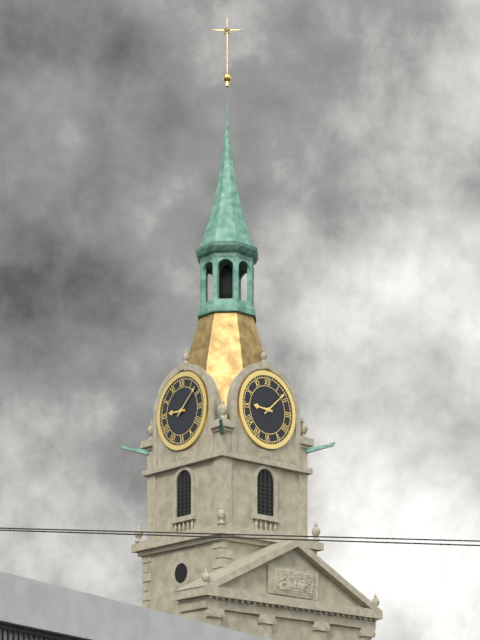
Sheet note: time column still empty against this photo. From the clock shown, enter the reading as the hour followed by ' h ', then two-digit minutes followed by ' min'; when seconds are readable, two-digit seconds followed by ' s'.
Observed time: 9 h 08 min
